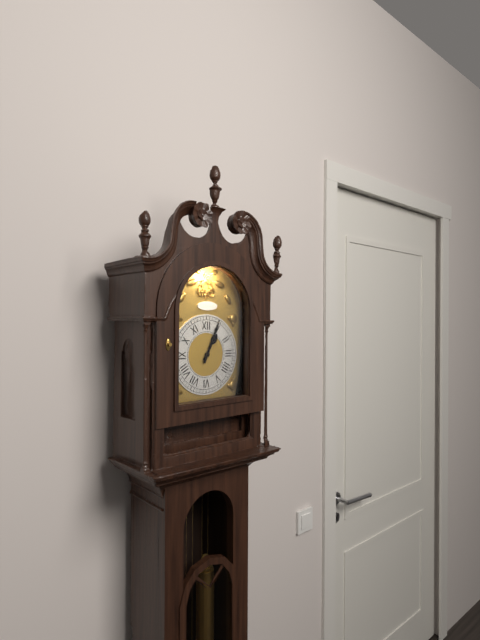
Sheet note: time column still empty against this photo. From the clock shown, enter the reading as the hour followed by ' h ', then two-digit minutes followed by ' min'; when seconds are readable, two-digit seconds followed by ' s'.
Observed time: 1 h 04 min
